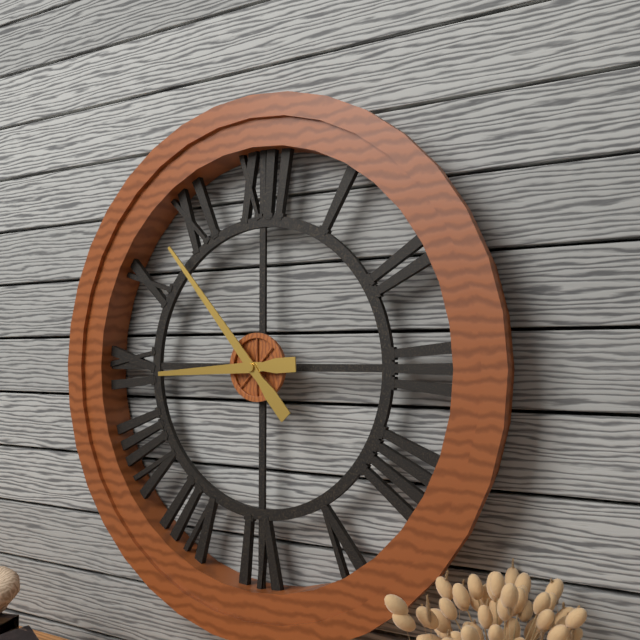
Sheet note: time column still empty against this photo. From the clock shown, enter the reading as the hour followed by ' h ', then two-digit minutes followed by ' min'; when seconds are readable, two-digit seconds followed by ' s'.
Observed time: 8 h 53 min
